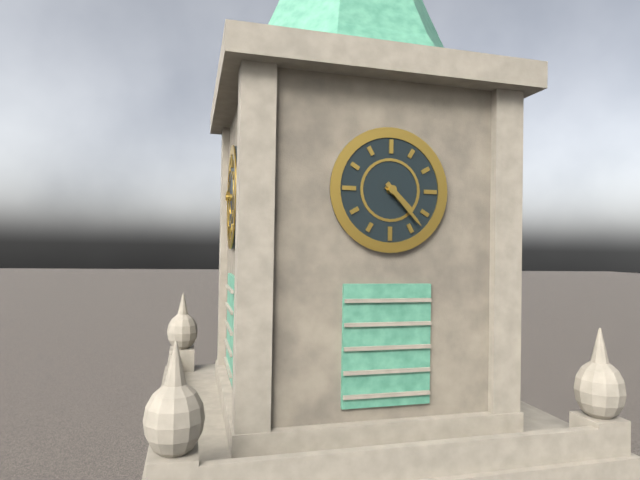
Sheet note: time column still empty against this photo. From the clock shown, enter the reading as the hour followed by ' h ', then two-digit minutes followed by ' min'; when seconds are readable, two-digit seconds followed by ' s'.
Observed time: 4 h 23 min
